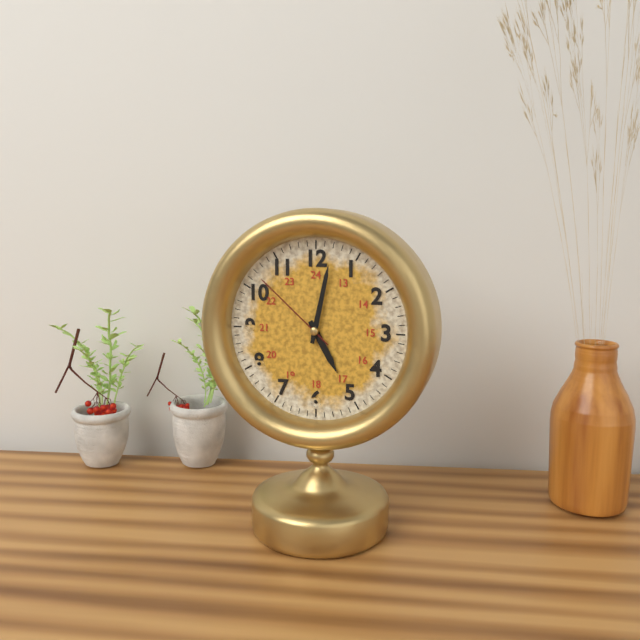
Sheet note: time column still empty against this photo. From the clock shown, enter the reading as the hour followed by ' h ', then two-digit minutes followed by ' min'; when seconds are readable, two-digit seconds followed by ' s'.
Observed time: 5 h 02 min 52 s
